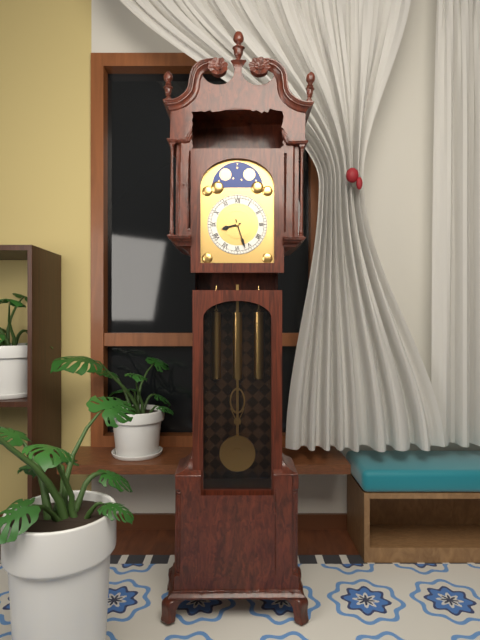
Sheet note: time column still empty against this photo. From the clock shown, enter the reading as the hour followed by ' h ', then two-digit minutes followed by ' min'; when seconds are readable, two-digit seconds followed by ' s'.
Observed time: 8 h 27 min
